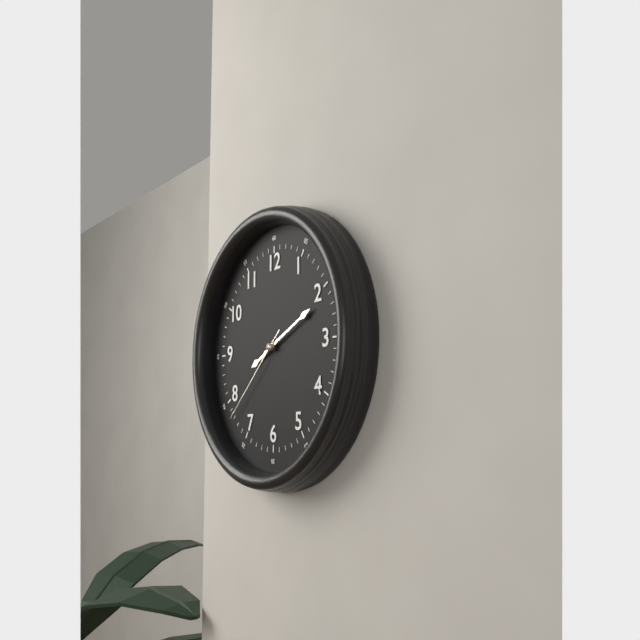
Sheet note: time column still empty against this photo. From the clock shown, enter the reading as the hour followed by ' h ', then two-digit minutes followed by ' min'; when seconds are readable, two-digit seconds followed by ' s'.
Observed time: 8 h 11 min 38 s
